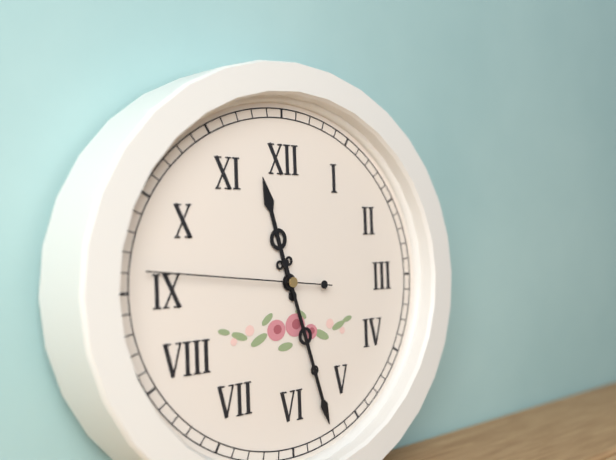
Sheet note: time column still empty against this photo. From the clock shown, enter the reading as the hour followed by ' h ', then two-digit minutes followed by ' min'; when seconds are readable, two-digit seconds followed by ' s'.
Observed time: 11 h 27 min 46 s
